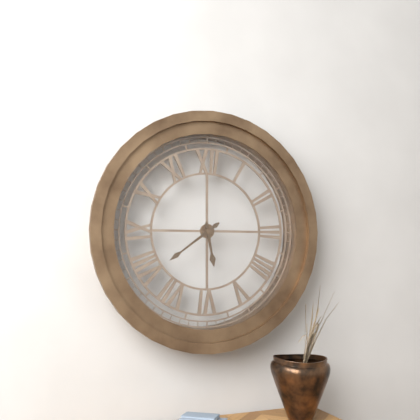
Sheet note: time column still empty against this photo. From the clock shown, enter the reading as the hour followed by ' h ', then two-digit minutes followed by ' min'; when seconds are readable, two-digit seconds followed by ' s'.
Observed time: 5 h 39 min
